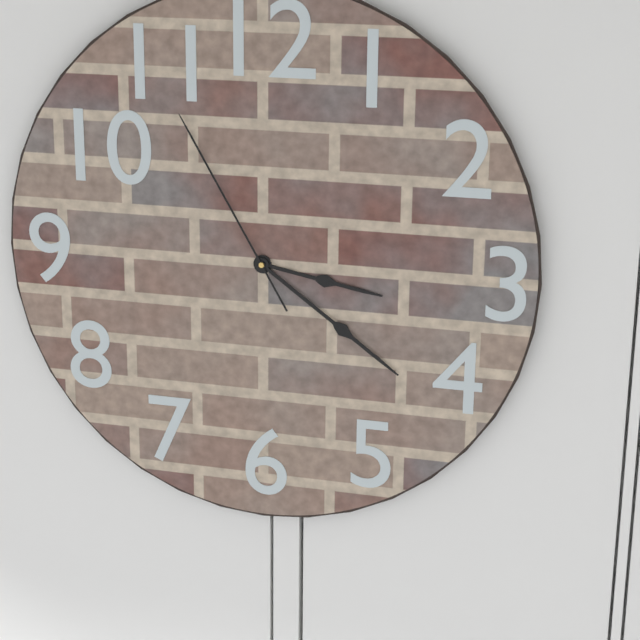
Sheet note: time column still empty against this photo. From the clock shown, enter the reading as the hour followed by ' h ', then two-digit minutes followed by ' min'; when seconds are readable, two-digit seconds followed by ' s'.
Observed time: 3 h 21 min 55 s
